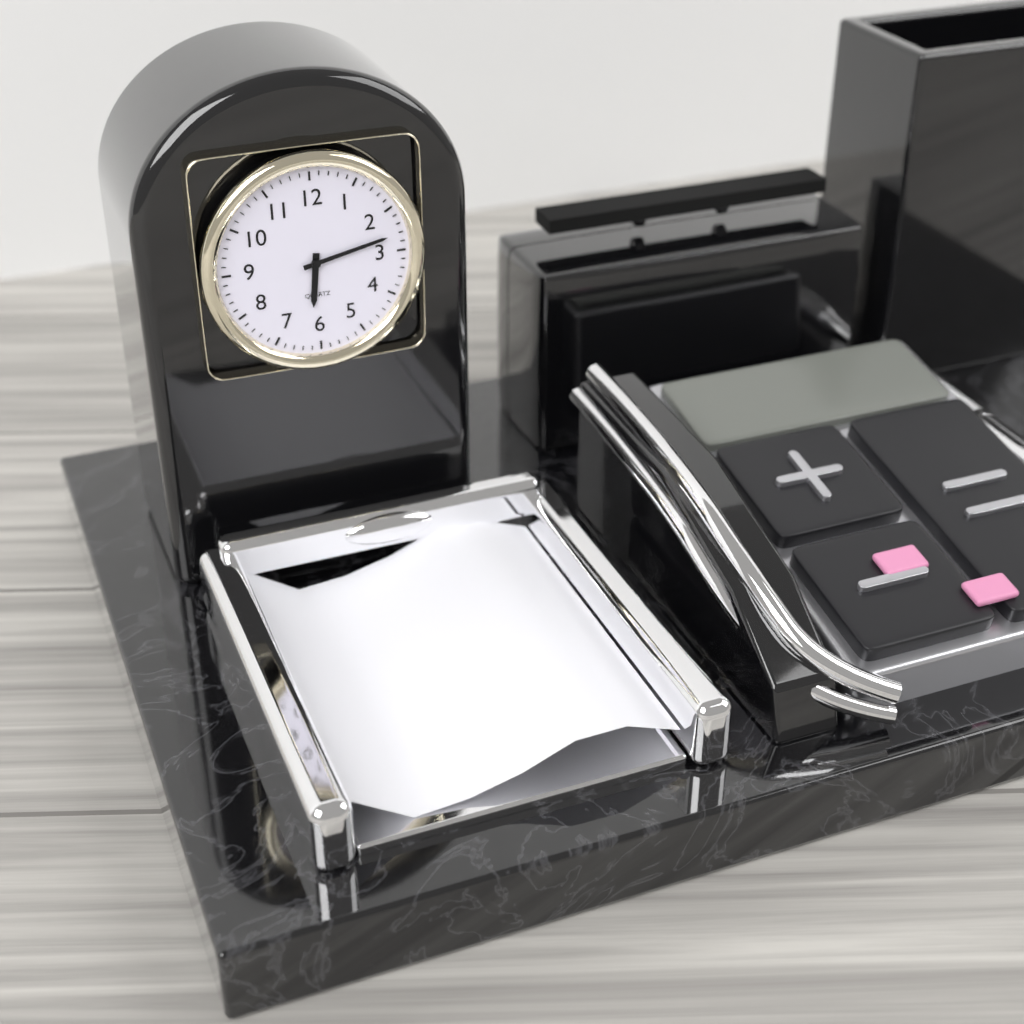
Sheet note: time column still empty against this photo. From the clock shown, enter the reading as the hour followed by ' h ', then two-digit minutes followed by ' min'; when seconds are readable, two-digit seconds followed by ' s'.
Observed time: 6 h 13 min
